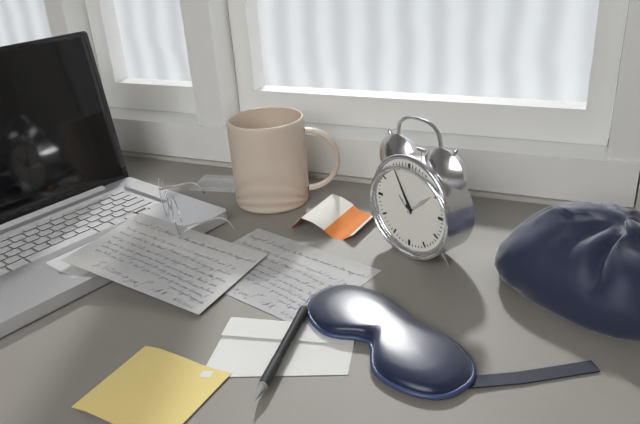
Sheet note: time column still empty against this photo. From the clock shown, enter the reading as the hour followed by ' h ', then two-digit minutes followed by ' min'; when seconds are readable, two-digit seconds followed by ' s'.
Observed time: 10 h 55 min
